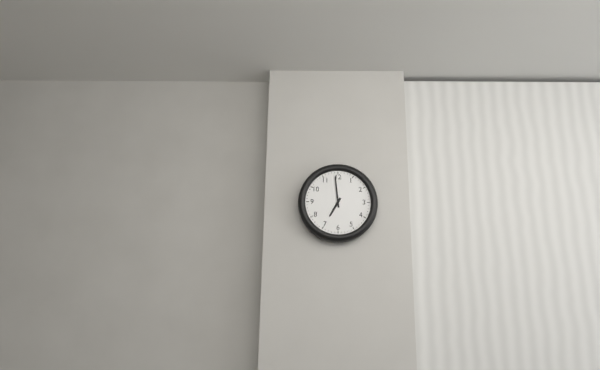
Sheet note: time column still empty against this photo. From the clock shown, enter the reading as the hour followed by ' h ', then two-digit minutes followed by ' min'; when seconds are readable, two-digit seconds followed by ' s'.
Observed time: 6 h 59 min
